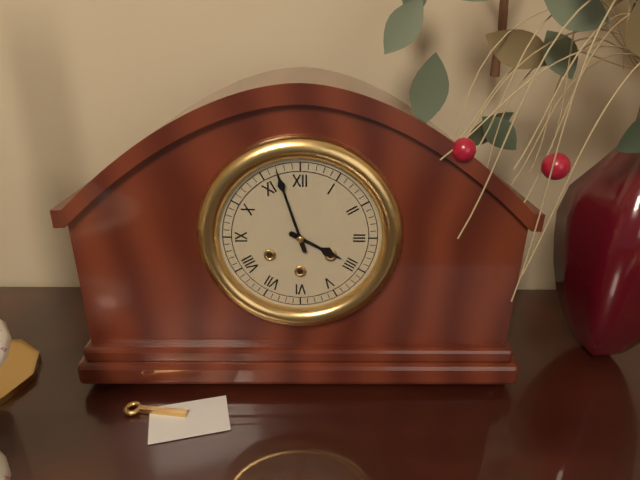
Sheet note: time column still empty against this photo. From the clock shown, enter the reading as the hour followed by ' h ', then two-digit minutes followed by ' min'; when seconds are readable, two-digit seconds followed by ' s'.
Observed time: 3 h 57 min
